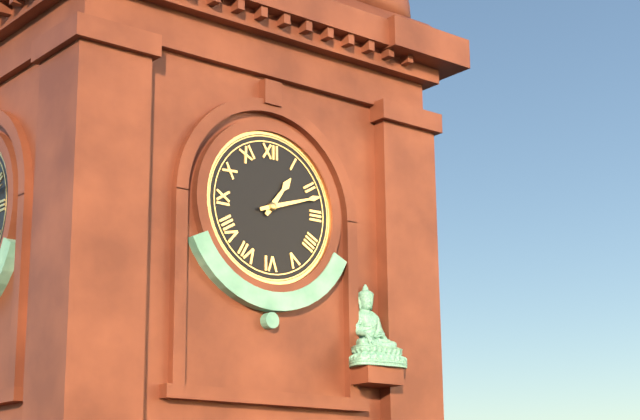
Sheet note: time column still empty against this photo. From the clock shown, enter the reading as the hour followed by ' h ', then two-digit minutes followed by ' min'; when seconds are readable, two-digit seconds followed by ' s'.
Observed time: 1 h 12 min
